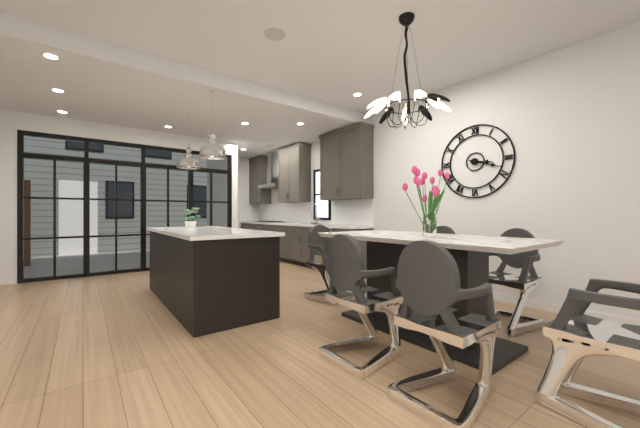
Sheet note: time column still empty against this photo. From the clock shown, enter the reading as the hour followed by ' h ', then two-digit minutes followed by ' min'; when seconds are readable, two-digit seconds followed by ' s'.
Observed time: 3 h 18 min
